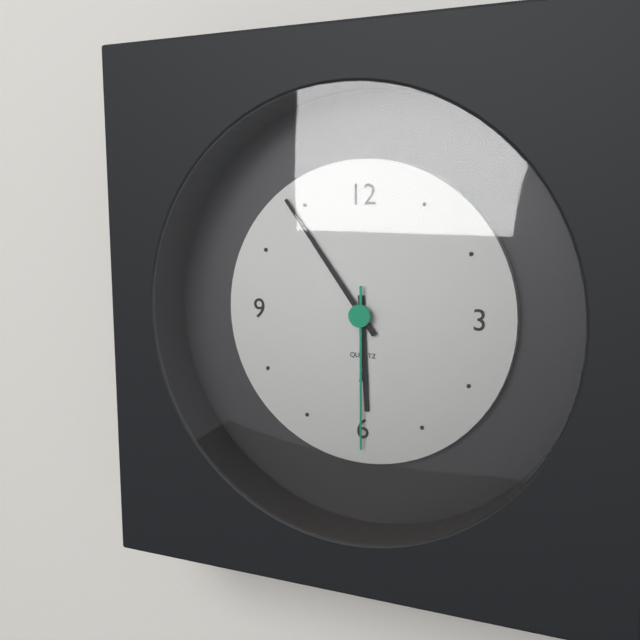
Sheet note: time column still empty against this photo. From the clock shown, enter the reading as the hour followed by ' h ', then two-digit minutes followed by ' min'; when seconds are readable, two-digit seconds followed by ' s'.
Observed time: 5 h 54 min 30 s
